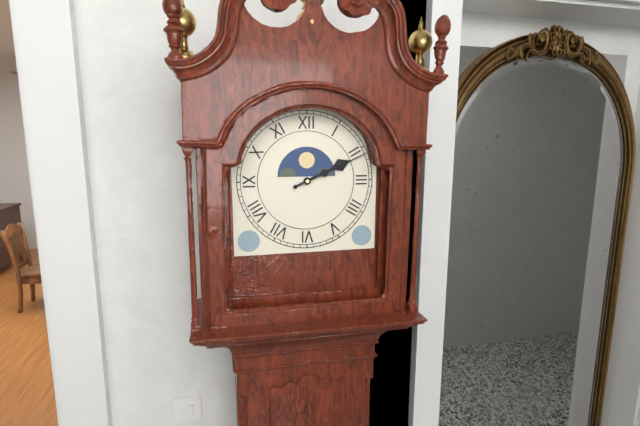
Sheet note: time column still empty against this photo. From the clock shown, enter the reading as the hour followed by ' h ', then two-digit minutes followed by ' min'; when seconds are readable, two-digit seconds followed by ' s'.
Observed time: 2 h 11 min
